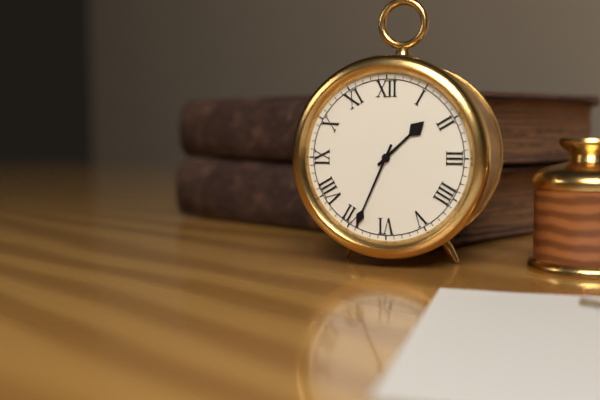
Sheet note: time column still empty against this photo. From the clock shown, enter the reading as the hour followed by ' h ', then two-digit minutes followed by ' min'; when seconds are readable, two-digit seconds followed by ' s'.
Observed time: 1 h 34 min
